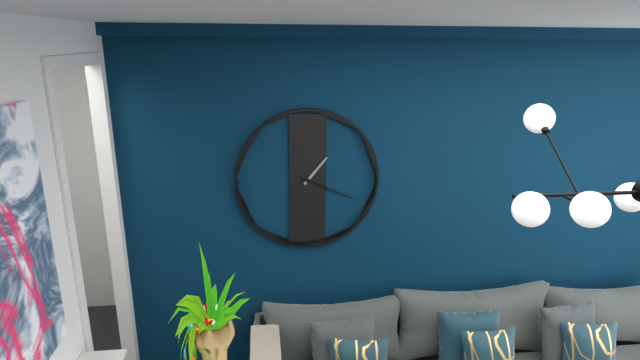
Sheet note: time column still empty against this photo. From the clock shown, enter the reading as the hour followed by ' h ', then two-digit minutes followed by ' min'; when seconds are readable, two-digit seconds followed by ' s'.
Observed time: 1 h 19 min
